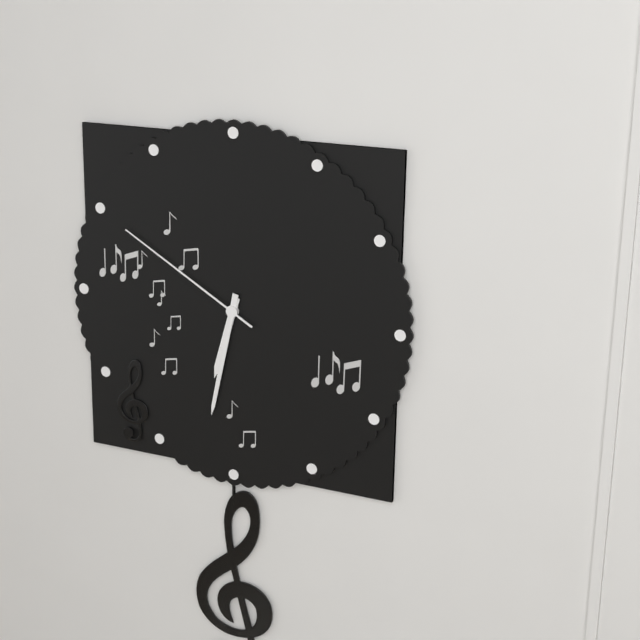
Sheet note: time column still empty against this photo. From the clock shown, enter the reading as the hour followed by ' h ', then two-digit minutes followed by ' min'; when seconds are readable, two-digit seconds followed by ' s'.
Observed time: 6 h 32 min 50 s
